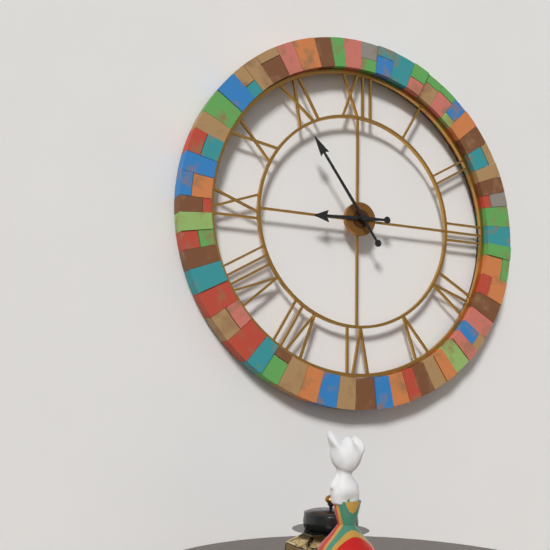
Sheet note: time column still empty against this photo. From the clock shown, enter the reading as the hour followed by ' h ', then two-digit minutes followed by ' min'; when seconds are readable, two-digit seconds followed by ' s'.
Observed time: 8 h 54 min
